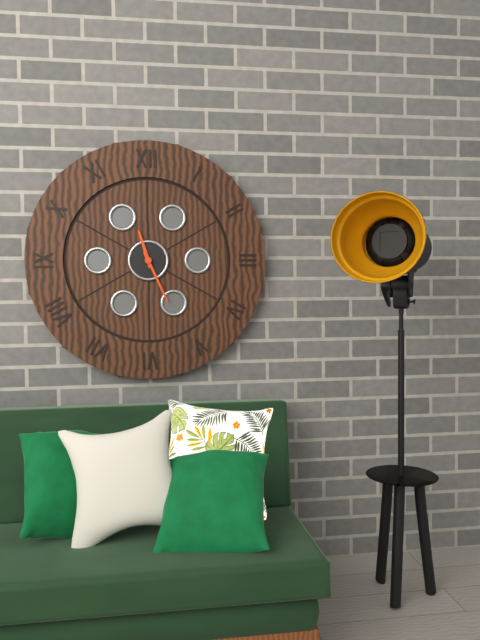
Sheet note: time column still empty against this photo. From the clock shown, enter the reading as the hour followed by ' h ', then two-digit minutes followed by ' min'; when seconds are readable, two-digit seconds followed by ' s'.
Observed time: 11 h 26 min
